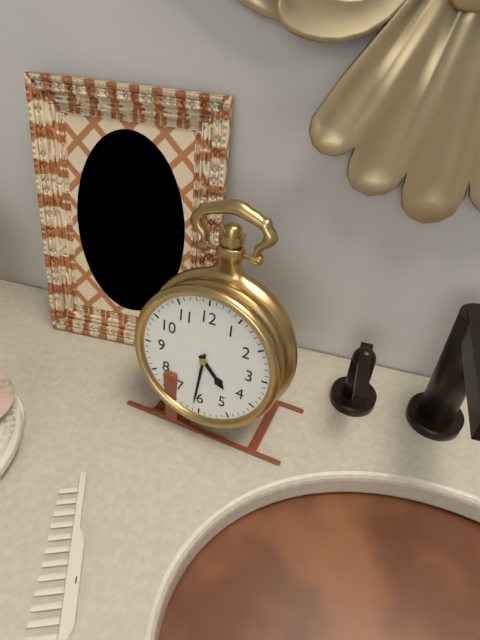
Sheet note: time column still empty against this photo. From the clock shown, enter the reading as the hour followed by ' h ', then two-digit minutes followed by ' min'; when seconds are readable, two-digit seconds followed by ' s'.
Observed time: 4 h 31 min
